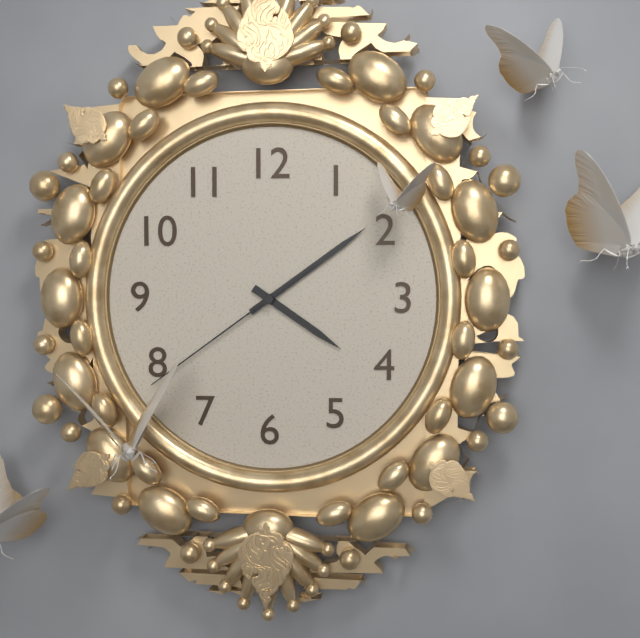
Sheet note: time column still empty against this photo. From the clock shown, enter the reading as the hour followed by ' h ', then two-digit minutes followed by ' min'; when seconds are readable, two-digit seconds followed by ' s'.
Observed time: 4 h 09 min 39 s
